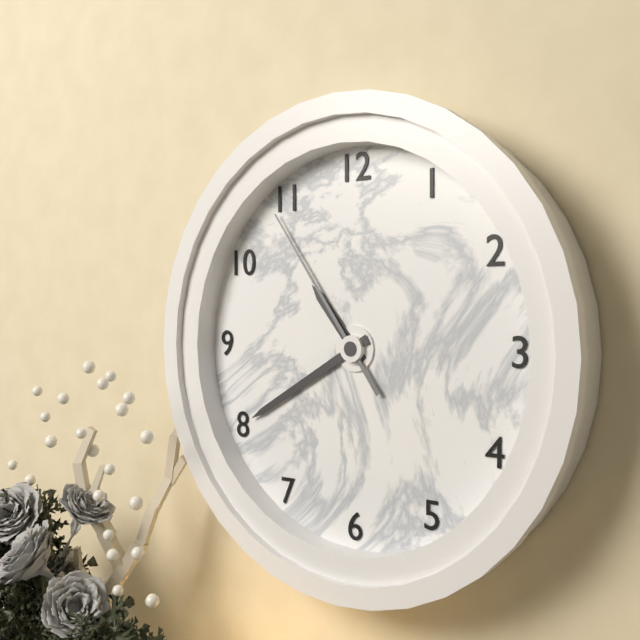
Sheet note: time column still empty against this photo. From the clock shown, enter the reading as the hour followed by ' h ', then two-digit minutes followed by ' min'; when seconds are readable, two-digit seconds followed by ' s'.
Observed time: 10 h 40 min 54 s
